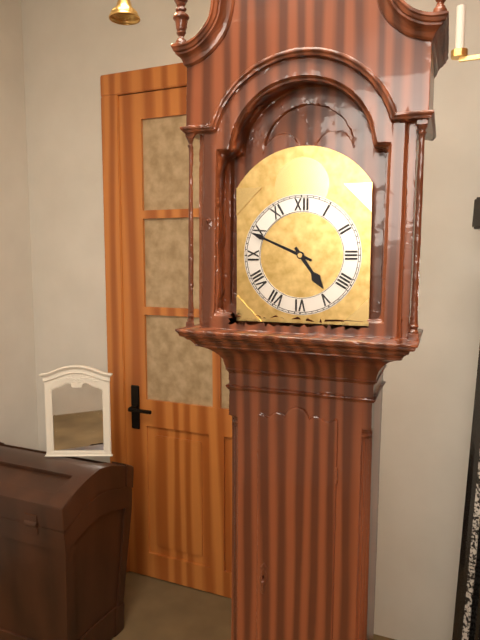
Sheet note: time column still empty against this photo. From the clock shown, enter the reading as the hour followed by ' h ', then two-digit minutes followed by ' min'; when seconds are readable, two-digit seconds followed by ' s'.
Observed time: 4 h 49 min
